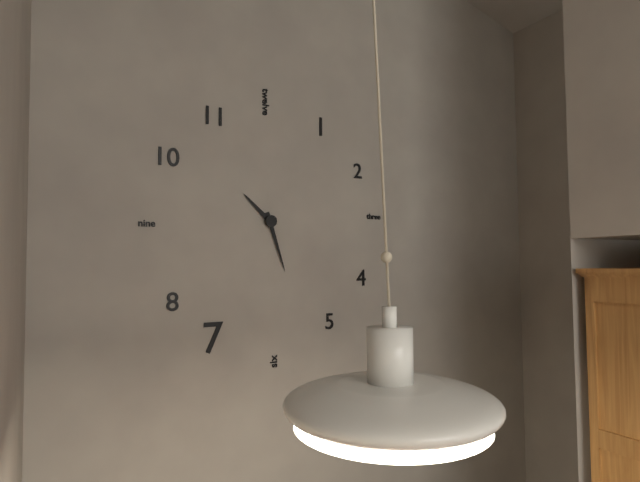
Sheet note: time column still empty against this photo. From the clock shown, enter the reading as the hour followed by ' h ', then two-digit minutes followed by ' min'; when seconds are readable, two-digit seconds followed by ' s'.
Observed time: 10 h 27 min
